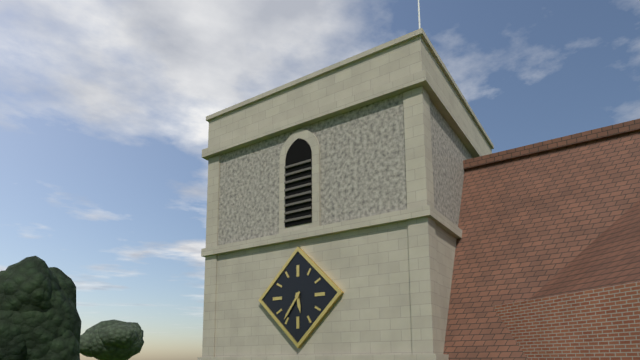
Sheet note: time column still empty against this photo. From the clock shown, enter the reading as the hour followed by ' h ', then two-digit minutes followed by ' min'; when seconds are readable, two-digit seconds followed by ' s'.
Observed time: 5 h 36 min
